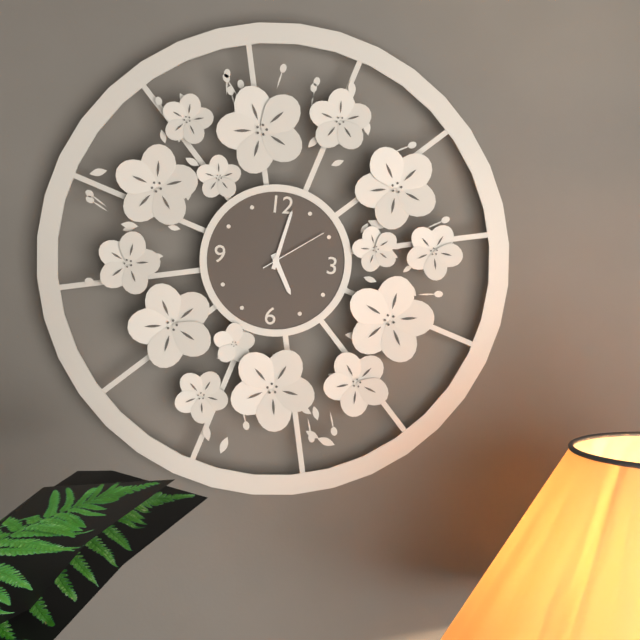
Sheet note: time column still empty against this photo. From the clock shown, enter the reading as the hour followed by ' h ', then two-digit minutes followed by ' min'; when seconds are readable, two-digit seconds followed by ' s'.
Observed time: 5 h 02 min 09 s
